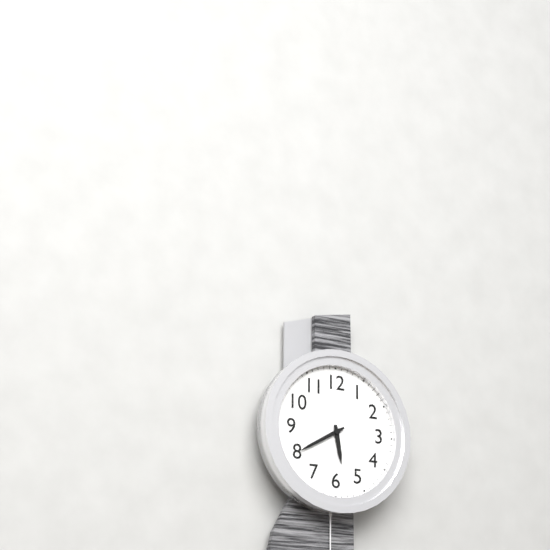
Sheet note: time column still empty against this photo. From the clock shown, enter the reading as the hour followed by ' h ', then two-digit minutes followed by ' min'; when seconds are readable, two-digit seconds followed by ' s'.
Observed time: 5 h 40 min
